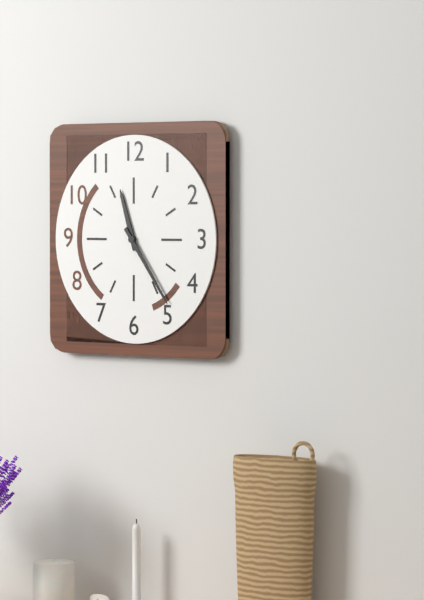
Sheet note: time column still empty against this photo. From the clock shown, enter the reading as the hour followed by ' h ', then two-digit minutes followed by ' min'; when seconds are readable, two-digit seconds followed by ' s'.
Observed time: 11 h 24 min
